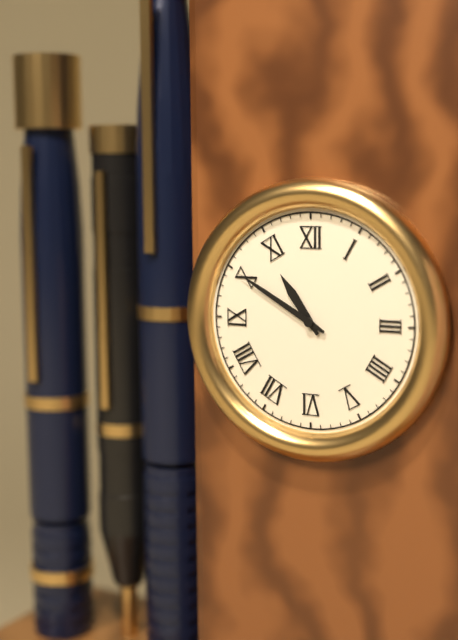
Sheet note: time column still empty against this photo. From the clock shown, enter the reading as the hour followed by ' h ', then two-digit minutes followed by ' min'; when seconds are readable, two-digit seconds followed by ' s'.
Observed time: 10 h 50 min
